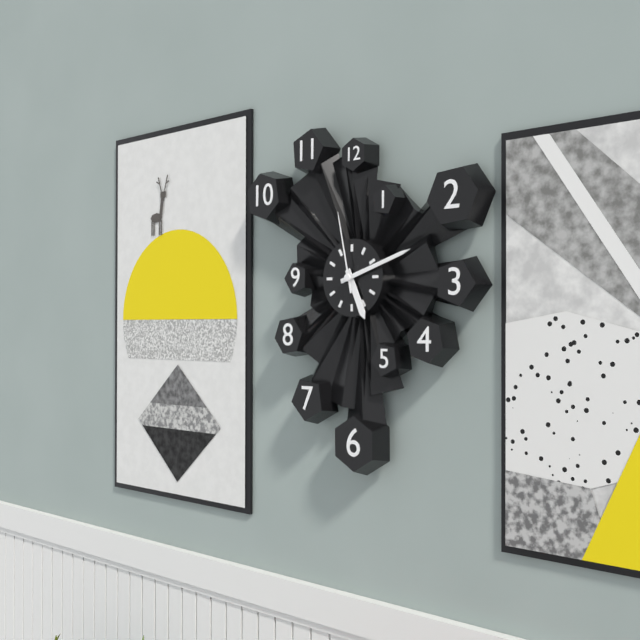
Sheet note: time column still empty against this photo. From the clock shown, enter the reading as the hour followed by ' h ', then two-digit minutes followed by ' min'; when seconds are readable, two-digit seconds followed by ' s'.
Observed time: 5 h 12 min 58 s
